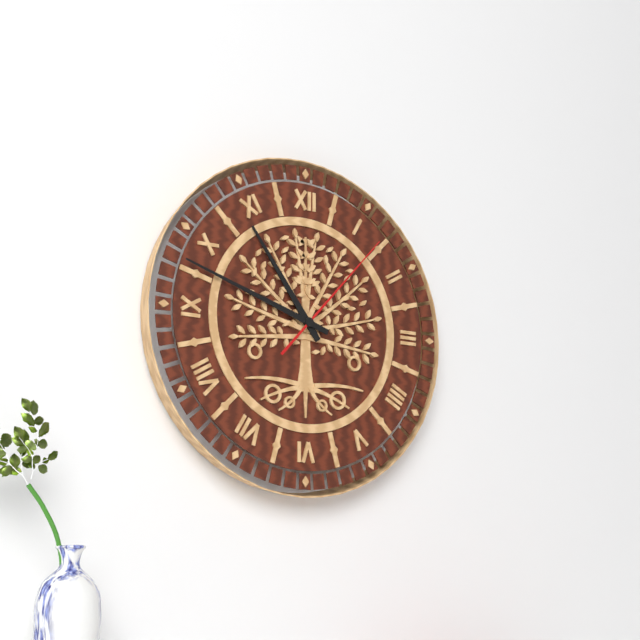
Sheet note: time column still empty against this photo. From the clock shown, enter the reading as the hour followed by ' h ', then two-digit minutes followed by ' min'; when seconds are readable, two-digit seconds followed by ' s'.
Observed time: 10 h 48 min 07 s
